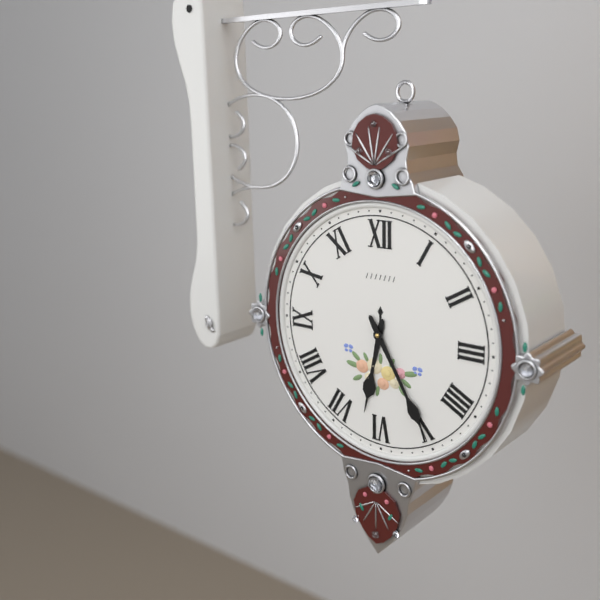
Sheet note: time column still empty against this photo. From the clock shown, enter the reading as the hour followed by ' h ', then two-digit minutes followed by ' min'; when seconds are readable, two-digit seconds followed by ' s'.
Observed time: 6 h 25 min
